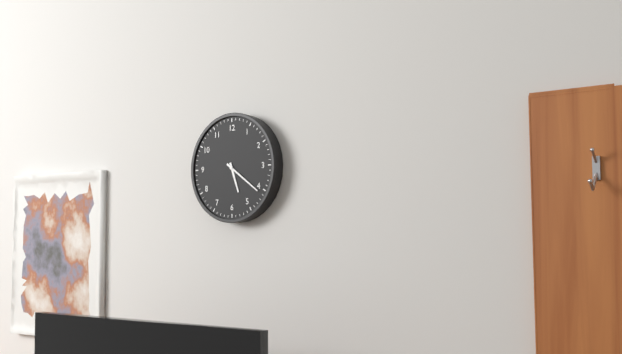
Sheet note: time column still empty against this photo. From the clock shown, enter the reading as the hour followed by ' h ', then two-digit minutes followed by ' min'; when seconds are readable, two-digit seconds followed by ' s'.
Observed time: 5 h 21 min
